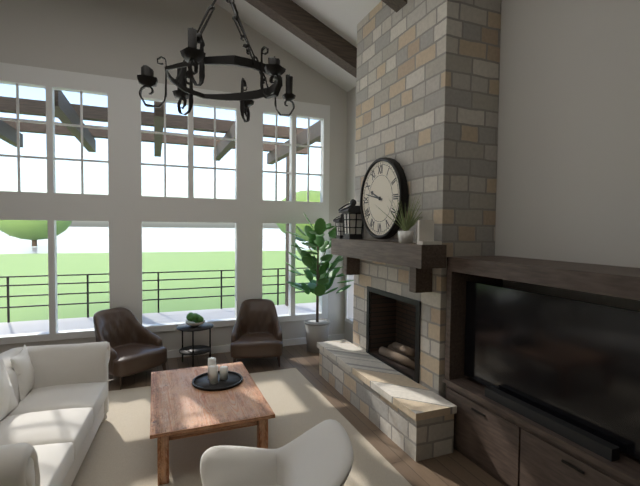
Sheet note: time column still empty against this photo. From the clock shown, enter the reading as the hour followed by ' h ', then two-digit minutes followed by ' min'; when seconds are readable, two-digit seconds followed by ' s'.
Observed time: 9 h 47 min
